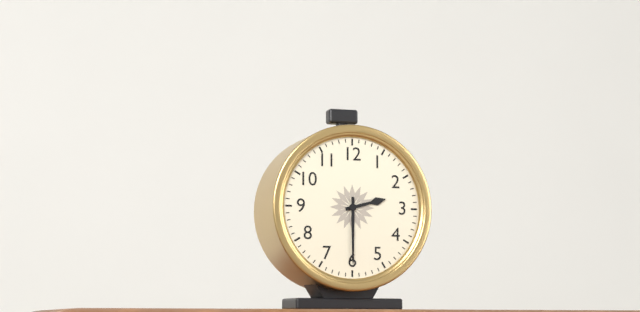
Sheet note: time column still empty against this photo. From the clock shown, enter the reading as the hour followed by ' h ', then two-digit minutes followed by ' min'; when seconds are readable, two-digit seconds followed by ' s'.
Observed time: 2 h 30 min
